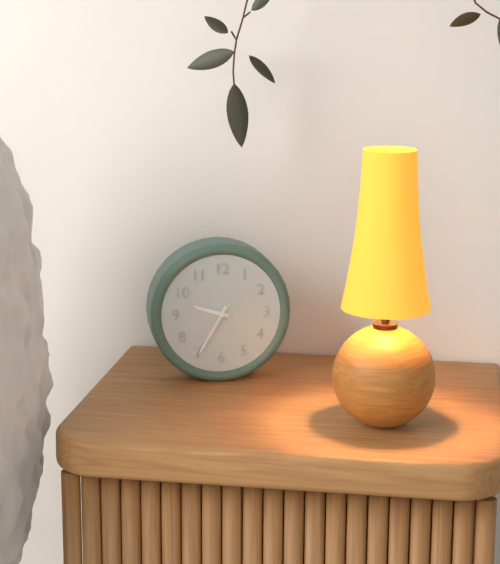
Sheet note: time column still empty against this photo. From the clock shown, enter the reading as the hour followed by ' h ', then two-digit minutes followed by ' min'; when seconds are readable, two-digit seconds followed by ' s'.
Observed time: 9 h 35 min 36 s
